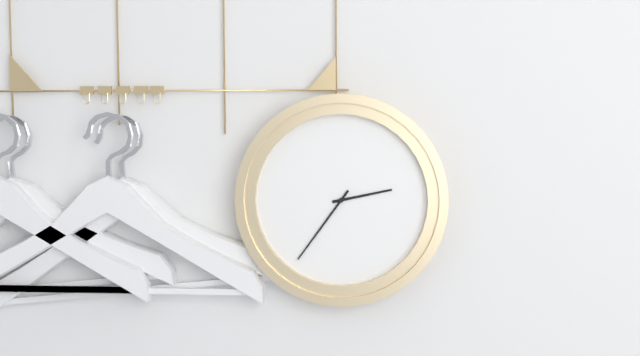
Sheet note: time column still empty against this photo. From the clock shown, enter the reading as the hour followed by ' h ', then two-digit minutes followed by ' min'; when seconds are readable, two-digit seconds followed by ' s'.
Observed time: 2 h 36 min
